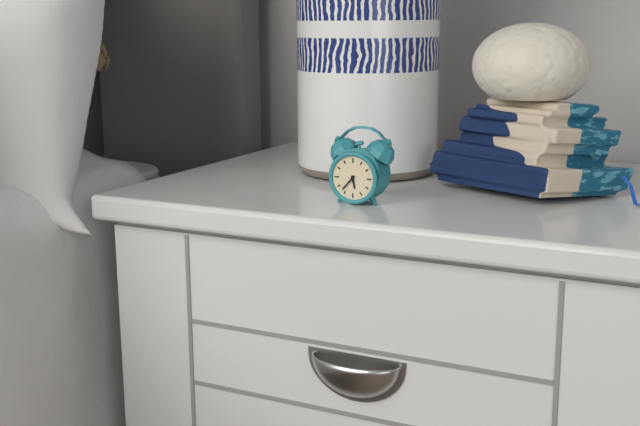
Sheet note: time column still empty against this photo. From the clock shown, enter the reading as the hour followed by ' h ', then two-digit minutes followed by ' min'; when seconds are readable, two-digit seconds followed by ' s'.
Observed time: 5 h 37 min
